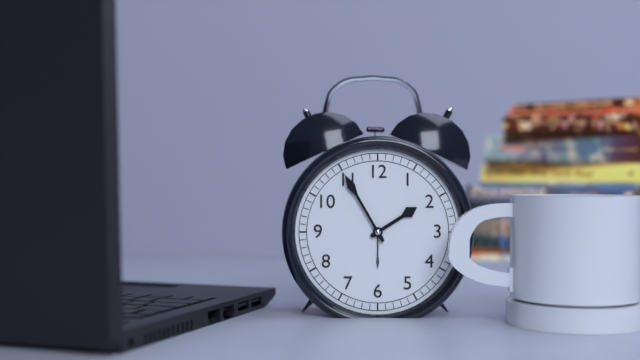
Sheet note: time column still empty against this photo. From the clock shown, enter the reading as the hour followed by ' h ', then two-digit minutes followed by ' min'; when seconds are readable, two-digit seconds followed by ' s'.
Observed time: 1 h 55 min
